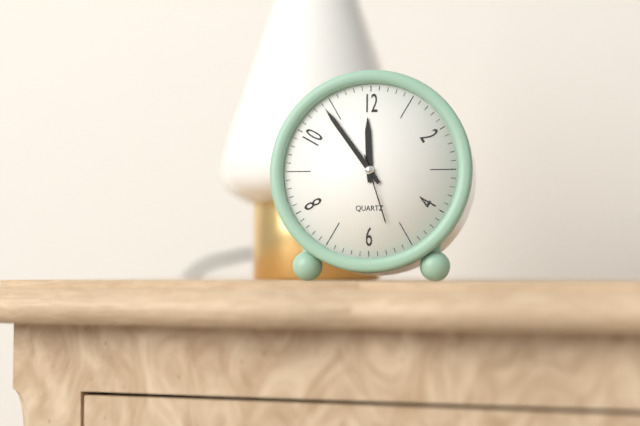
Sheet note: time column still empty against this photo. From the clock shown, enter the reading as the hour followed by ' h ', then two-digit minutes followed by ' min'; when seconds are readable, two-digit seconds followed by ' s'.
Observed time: 11 h 54 min 27 s
